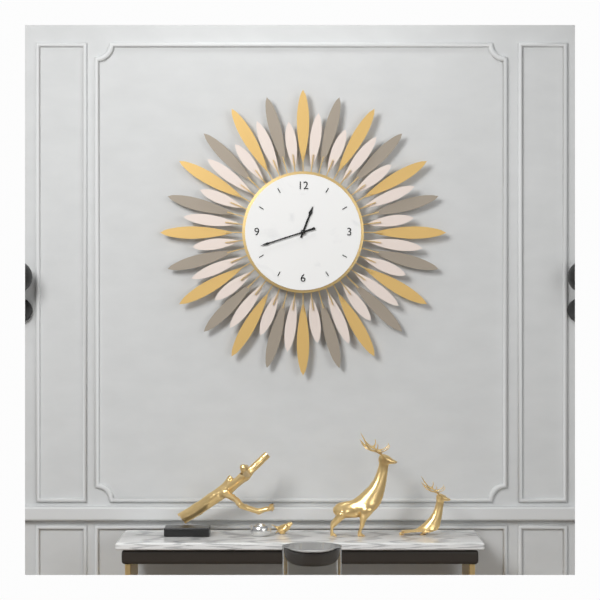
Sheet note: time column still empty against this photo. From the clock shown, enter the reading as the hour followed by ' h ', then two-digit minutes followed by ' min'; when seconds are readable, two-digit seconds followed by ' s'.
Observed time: 12 h 42 min
